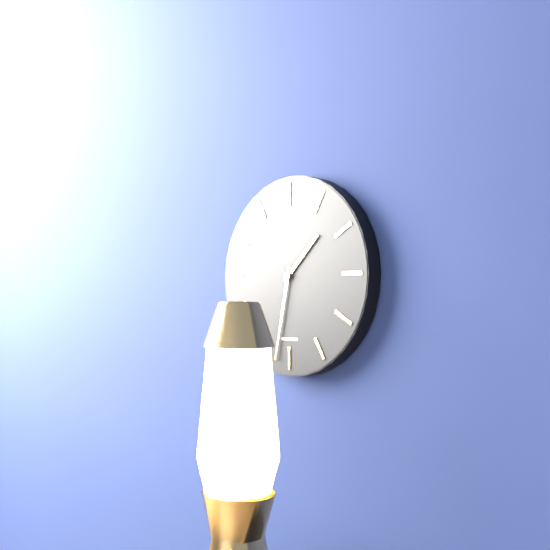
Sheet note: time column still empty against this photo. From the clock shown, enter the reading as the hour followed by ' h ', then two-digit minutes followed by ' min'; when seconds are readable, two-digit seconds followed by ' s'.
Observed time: 1 h 32 min
